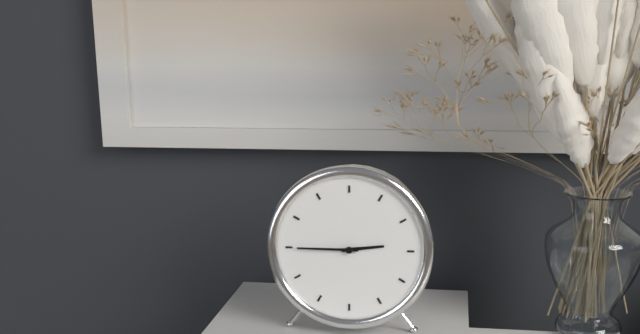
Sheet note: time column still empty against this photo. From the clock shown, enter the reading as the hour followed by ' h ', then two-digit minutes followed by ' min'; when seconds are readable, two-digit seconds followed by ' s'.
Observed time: 2 h 45 min
